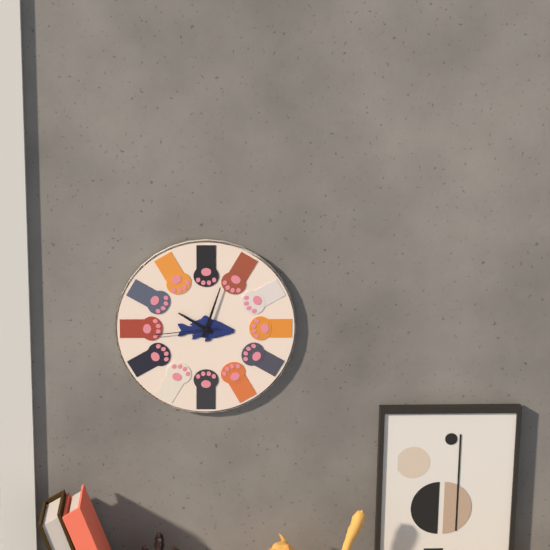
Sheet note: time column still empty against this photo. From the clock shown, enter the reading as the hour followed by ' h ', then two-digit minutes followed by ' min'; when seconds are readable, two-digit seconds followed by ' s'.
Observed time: 10 h 03 min 44 s
